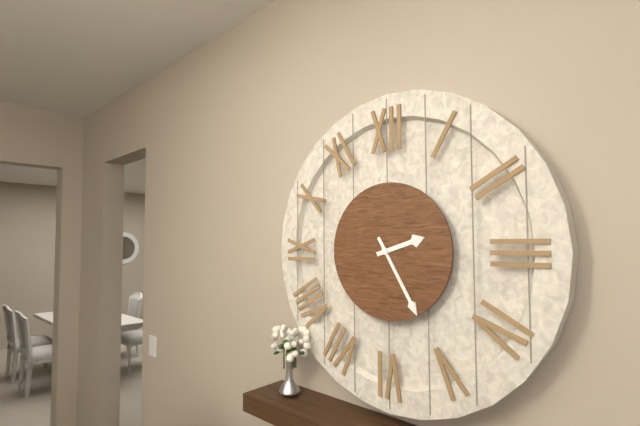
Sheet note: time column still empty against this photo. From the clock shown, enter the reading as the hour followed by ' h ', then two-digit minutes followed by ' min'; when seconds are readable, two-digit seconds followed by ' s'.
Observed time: 2 h 25 min
